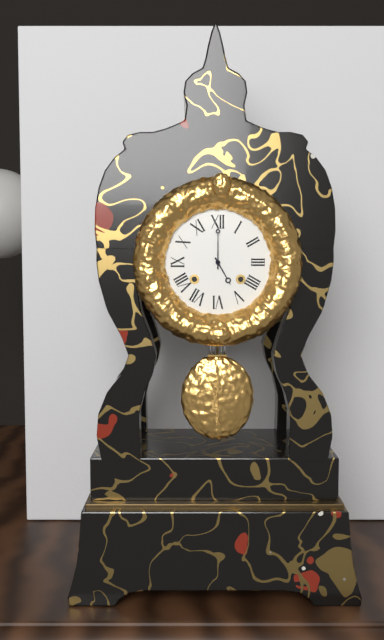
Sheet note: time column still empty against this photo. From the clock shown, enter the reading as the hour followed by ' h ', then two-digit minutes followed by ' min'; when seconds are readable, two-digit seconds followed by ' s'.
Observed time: 5 h 00 min
